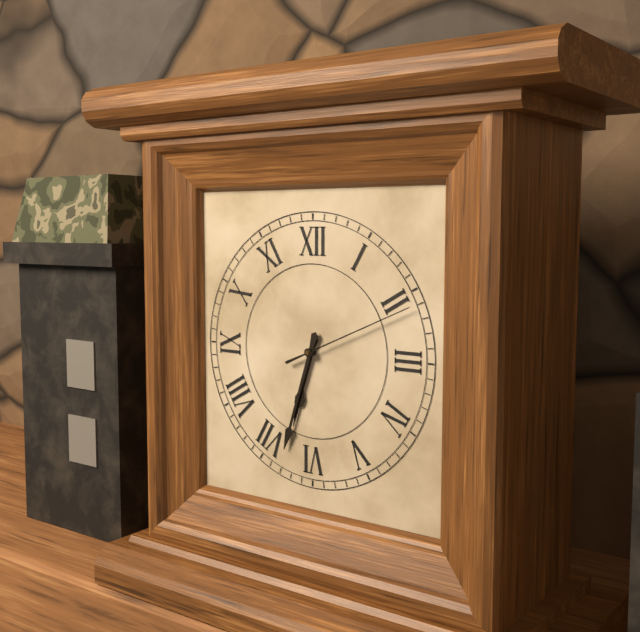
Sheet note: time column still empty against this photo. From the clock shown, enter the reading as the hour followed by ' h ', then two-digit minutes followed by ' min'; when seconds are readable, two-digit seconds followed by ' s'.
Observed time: 6 h 33 min 11 s
